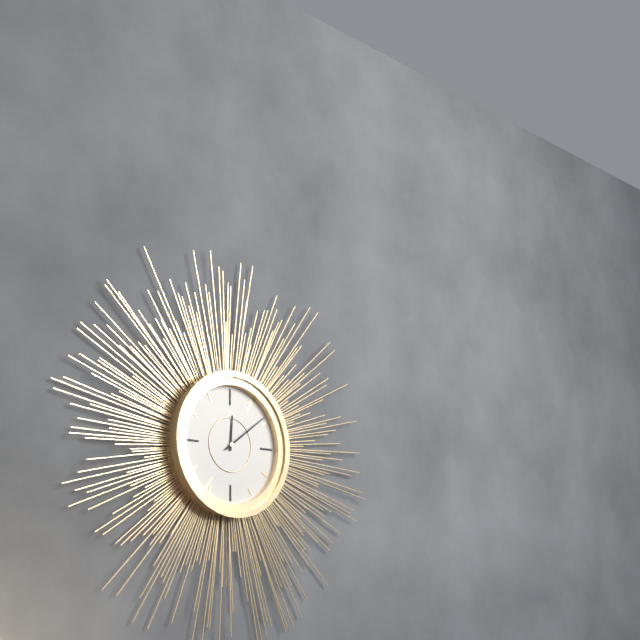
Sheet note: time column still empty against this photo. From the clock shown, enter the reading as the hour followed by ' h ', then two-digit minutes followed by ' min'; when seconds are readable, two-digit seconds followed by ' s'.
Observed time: 12 h 09 min
